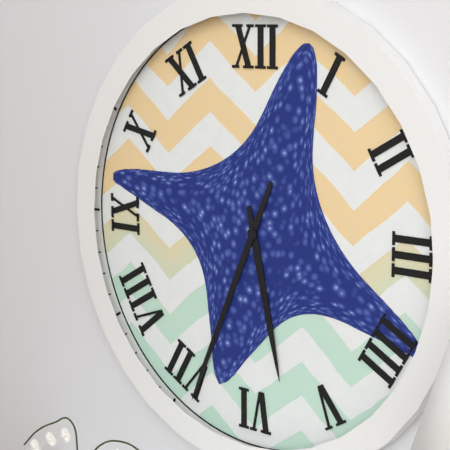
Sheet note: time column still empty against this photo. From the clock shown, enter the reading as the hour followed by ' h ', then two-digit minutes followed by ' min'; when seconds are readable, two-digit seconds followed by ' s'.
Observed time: 5 h 34 min
